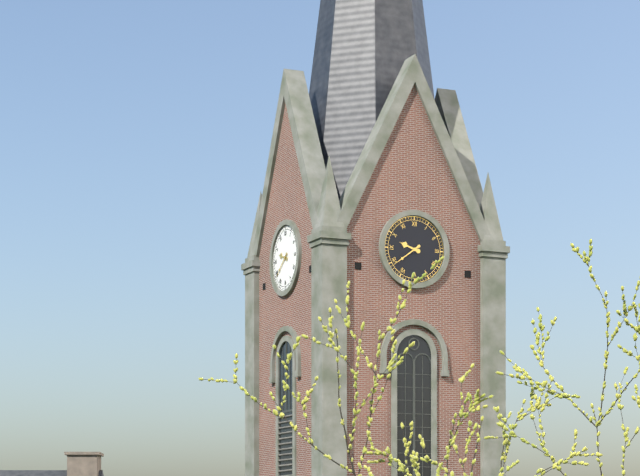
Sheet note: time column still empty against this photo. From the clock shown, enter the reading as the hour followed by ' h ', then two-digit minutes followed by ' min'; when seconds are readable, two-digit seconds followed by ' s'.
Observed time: 9 h 39 min
